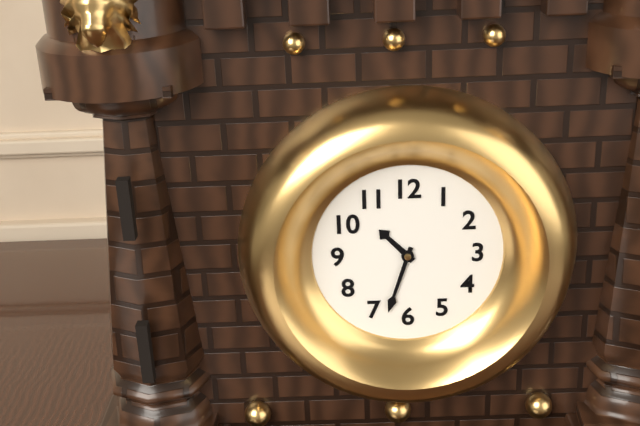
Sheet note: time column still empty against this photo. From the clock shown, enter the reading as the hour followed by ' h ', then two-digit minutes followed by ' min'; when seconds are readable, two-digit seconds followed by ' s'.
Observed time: 10 h 33 min
